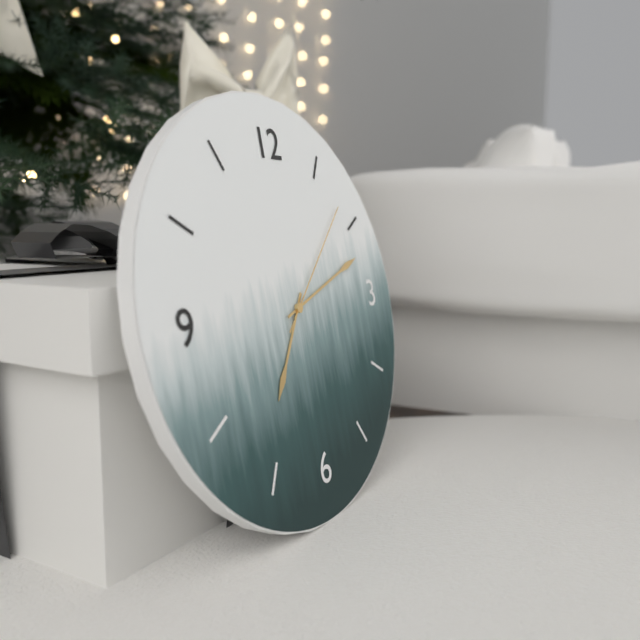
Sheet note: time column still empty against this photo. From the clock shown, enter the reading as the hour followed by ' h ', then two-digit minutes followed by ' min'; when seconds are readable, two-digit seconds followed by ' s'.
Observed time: 7 h 12 min 08 s
